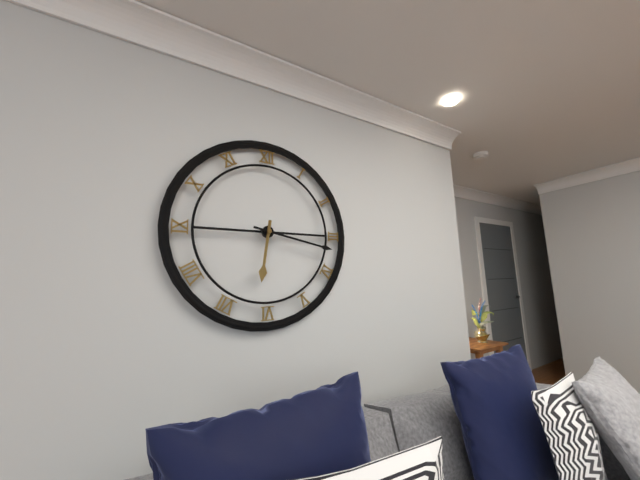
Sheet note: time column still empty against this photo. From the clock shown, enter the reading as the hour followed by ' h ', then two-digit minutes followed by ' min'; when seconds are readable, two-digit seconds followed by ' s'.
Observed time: 6 h 17 min
